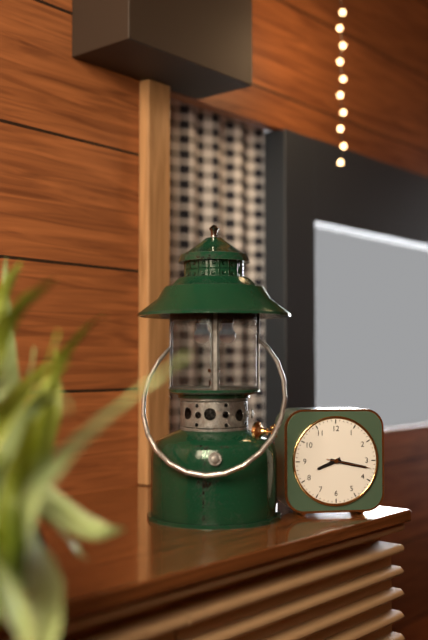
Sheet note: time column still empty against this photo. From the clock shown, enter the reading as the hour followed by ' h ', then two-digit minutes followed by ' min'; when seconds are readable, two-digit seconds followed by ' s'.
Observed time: 8 h 17 min 17 s
